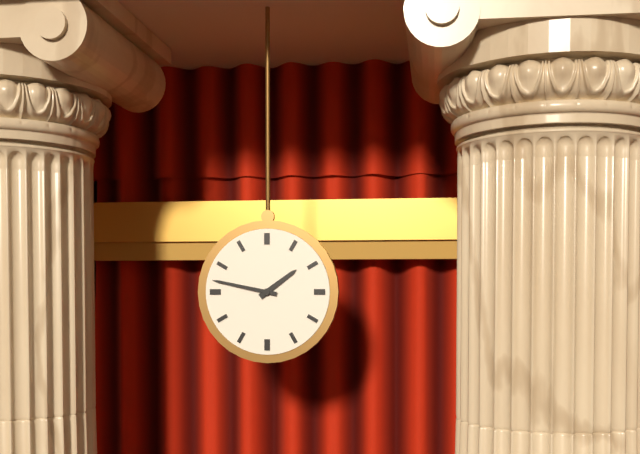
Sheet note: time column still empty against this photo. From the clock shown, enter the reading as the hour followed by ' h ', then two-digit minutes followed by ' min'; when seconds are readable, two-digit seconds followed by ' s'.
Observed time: 1 h 47 min
